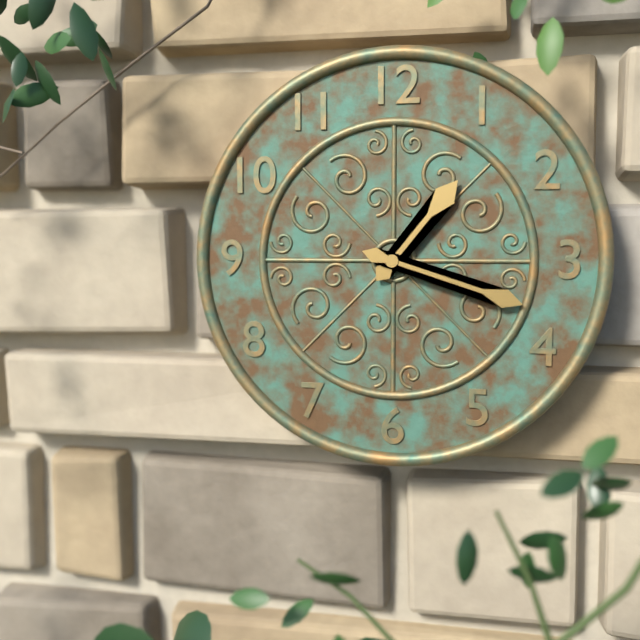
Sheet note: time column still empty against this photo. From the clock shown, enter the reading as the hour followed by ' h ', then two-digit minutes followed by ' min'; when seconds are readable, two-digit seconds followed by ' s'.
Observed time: 1 h 18 min
